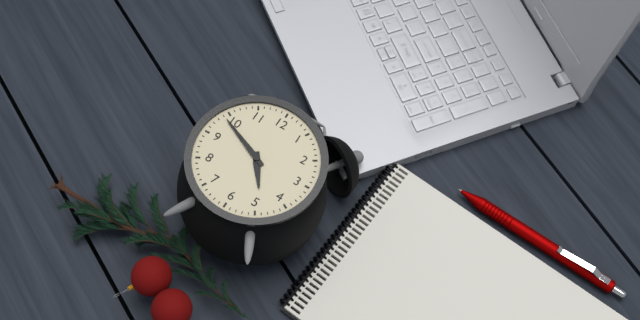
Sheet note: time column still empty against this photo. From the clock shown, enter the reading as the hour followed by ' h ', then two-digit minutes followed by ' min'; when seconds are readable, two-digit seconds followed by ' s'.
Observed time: 4 h 49 min
